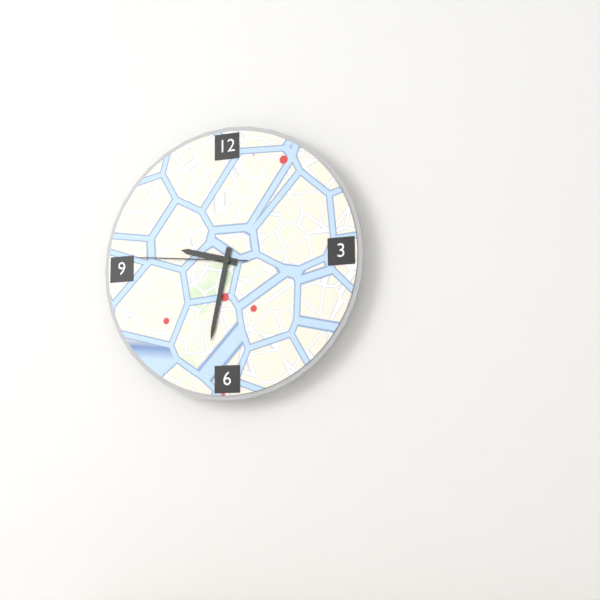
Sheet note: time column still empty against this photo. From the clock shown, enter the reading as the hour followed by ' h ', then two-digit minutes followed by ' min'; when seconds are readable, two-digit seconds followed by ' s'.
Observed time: 9 h 32 min 46 s
